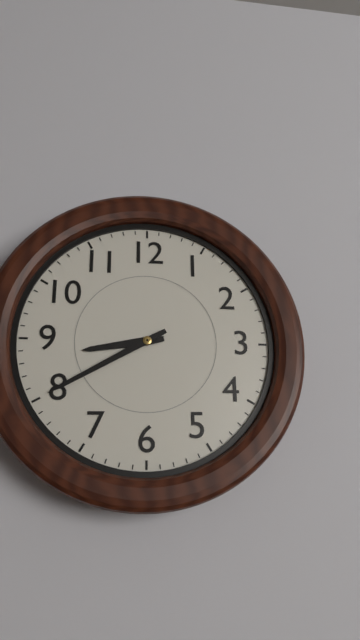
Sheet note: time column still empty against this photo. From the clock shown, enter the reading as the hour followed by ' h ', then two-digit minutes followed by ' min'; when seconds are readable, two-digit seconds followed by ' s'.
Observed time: 8 h 40 min
